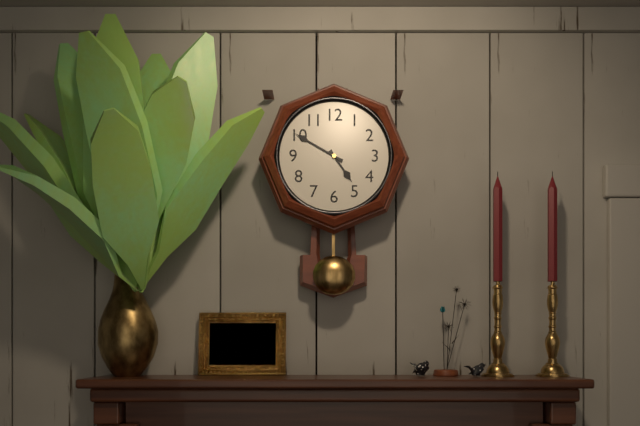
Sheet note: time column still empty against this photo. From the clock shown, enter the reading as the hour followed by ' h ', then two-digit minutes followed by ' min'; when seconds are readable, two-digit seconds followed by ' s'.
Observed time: 4 h 50 min
